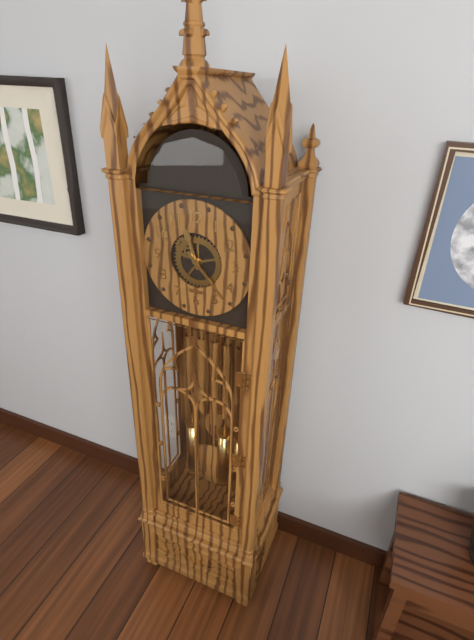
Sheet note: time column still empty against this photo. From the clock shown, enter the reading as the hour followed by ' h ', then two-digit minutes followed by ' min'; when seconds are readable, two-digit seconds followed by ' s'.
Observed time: 11 h 23 min
